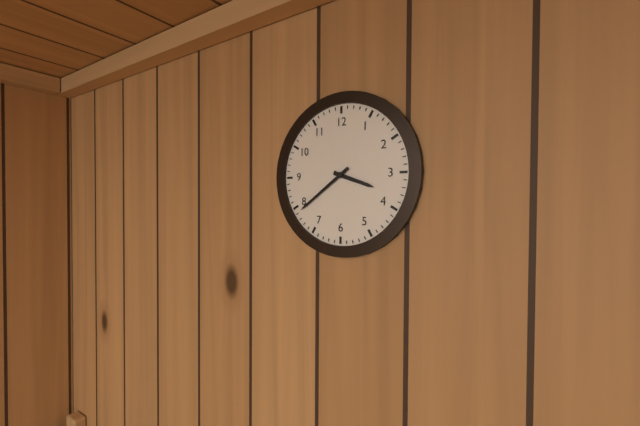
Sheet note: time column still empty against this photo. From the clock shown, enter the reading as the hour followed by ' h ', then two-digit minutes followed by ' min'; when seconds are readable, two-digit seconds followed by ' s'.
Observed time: 3 h 39 min
